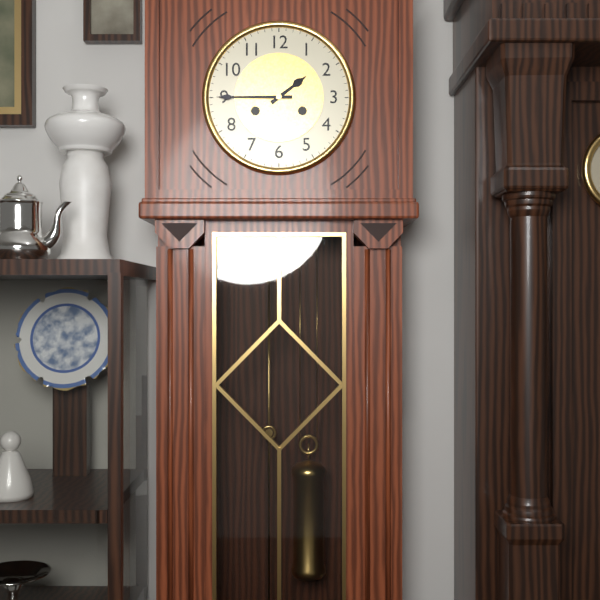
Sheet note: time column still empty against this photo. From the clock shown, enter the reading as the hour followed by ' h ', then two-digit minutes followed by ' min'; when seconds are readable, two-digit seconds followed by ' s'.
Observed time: 1 h 45 min
